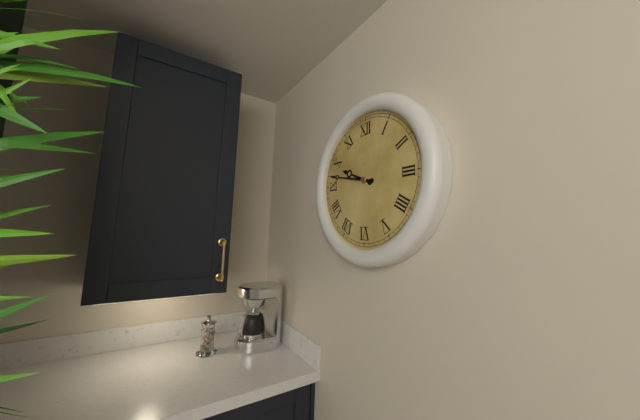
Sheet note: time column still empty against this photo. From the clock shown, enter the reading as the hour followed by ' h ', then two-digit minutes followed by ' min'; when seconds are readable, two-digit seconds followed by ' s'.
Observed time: 9 h 47 min
